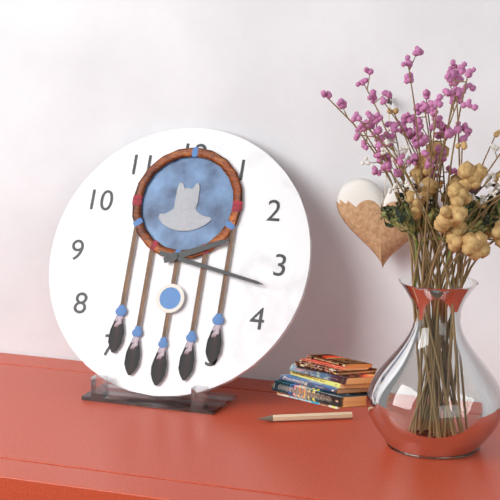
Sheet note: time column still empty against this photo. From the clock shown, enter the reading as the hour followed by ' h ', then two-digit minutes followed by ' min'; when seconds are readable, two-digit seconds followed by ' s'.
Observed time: 2 h 17 min
